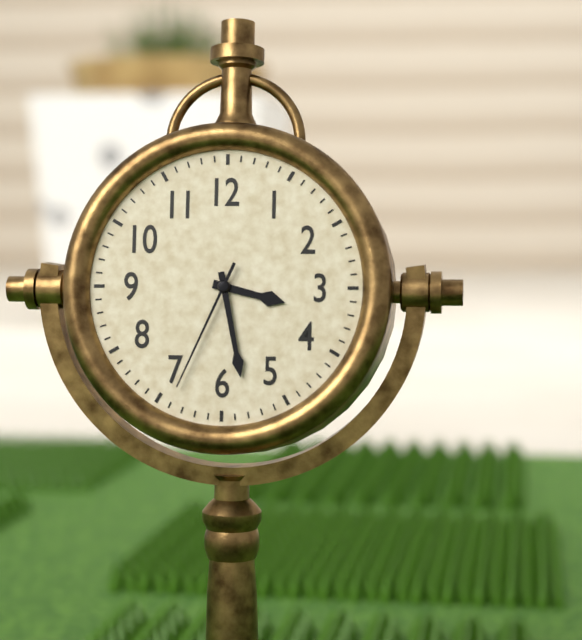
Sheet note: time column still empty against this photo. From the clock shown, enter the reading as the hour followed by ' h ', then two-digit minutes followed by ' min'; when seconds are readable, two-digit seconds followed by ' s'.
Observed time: 3 h 28 min 34 s
